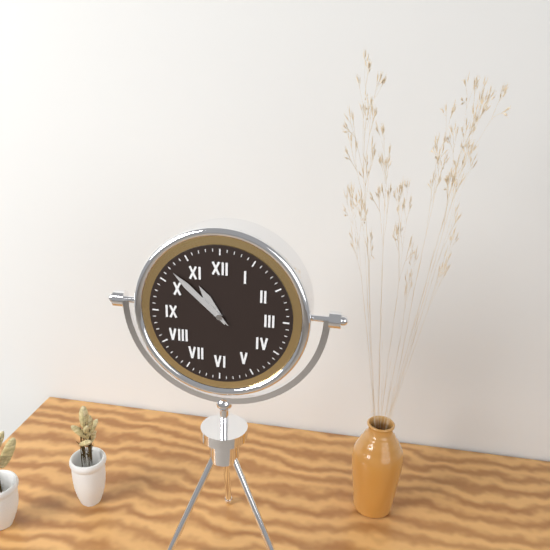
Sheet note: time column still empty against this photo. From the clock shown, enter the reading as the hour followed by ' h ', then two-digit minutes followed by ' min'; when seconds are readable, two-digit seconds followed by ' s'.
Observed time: 10 h 52 min
